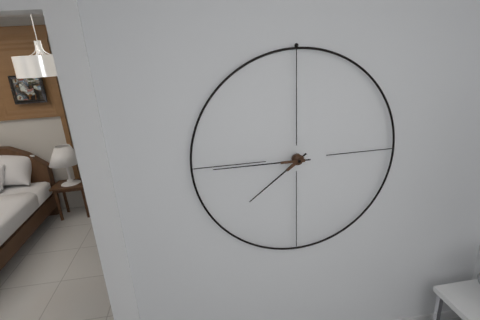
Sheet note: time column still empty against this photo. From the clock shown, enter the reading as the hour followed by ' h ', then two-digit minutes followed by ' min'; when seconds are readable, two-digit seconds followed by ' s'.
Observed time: 7 h 45 min
